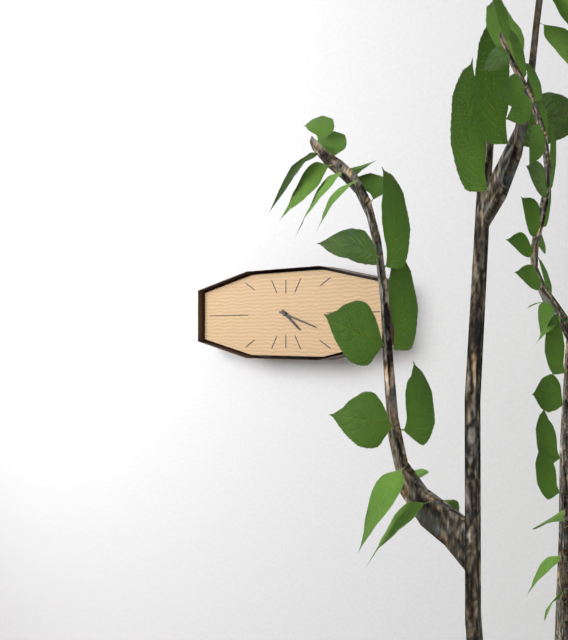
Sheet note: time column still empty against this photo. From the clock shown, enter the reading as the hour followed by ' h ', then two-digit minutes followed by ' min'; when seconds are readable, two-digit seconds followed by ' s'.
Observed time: 4 h 18 min
